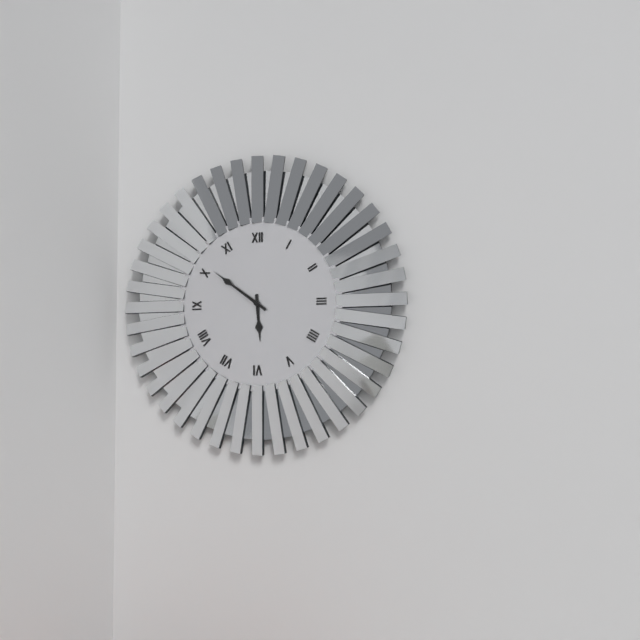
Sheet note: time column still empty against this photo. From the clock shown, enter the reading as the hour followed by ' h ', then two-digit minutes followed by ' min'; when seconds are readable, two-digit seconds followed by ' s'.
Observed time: 5 h 51 min
